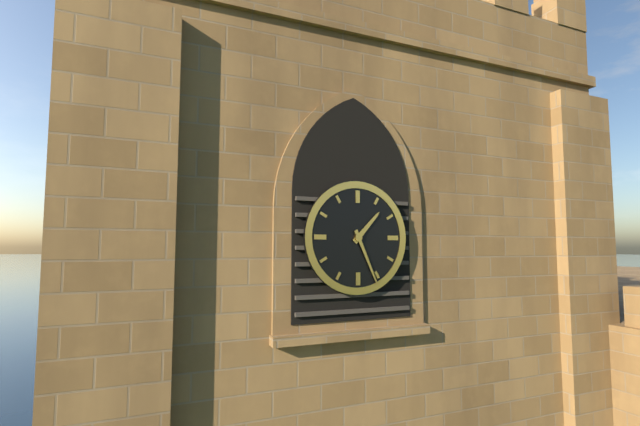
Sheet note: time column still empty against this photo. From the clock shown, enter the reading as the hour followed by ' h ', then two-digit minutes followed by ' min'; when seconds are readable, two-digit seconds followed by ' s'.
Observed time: 1 h 26 min
